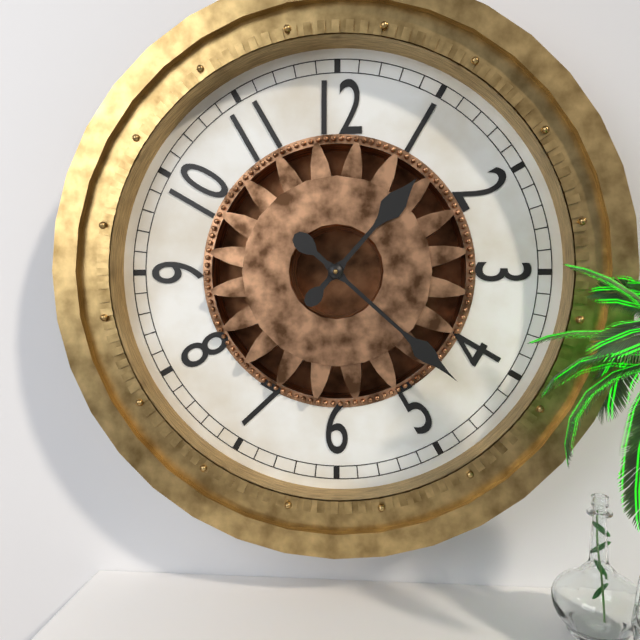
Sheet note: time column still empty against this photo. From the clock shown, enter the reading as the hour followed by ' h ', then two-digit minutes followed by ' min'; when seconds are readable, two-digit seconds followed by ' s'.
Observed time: 1 h 22 min
